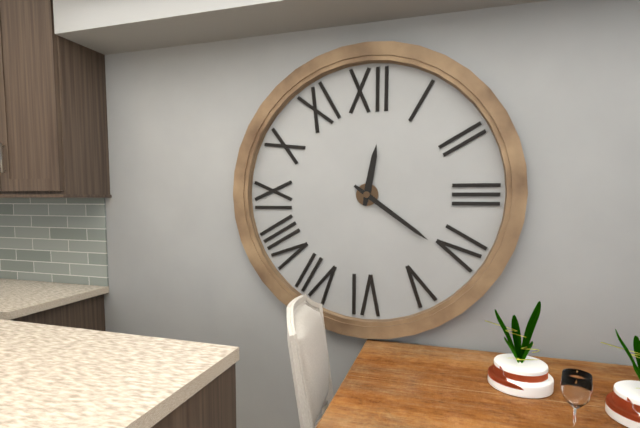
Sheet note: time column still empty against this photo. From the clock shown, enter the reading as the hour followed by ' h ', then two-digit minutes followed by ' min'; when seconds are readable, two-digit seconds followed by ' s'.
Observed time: 12 h 21 min
